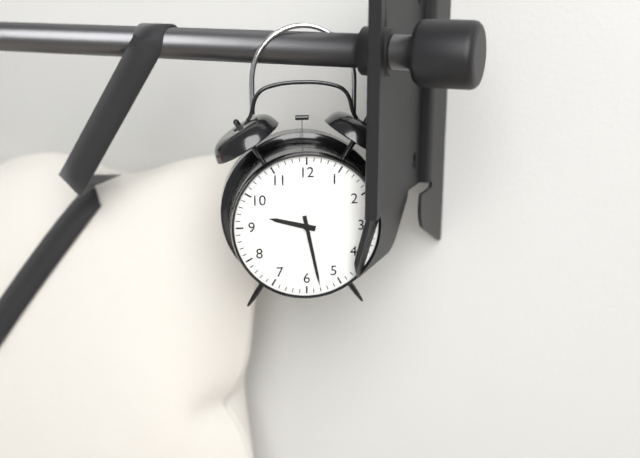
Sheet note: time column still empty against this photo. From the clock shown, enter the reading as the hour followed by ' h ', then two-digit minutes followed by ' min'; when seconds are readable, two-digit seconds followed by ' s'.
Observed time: 9 h 28 min
